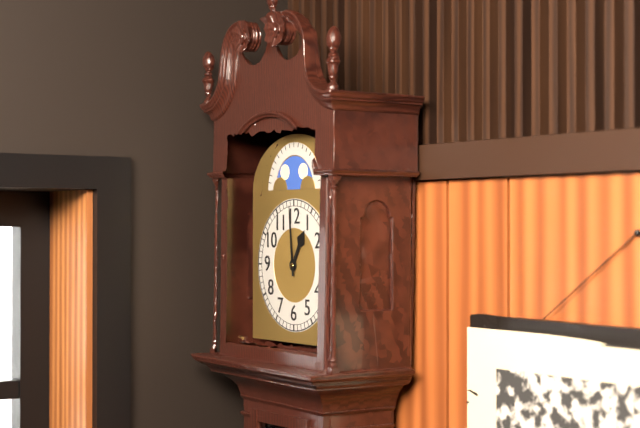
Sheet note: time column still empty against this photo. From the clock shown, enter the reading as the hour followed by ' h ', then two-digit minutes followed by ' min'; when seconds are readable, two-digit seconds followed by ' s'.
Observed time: 12 h 59 min
